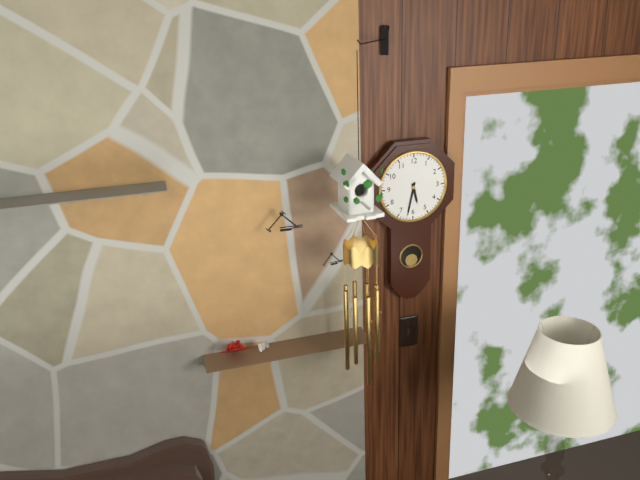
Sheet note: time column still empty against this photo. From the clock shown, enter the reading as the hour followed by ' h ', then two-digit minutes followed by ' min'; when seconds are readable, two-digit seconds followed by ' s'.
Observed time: 5 h 32 min
